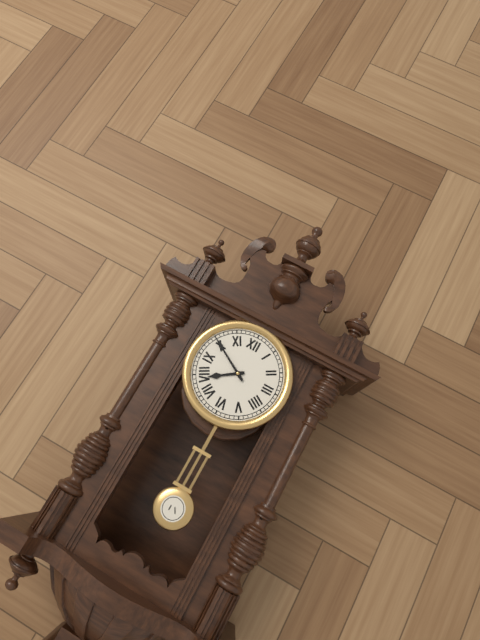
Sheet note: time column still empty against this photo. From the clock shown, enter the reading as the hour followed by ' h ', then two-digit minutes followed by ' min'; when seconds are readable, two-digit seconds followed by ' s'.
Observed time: 7 h 50 min
